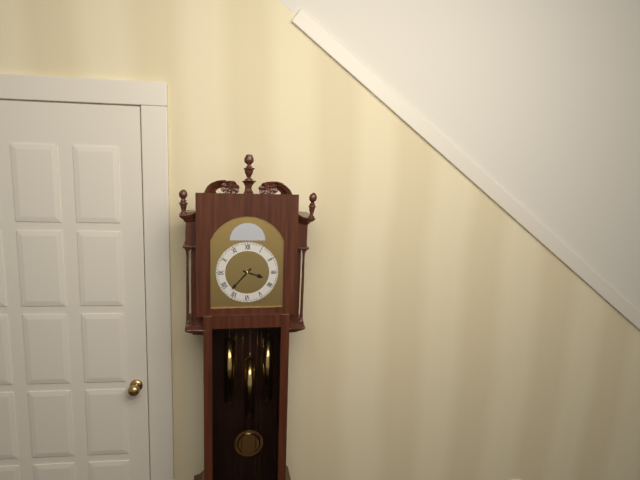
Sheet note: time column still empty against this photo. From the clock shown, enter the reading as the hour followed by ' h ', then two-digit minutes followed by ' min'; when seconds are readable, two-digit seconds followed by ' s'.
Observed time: 3 h 37 min
